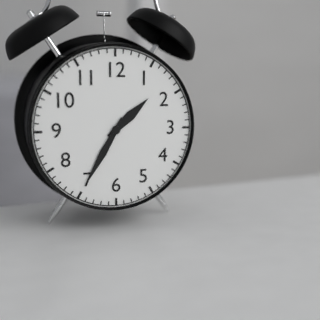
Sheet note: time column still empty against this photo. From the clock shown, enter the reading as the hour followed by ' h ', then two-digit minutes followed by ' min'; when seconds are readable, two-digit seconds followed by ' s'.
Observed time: 1 h 35 min
